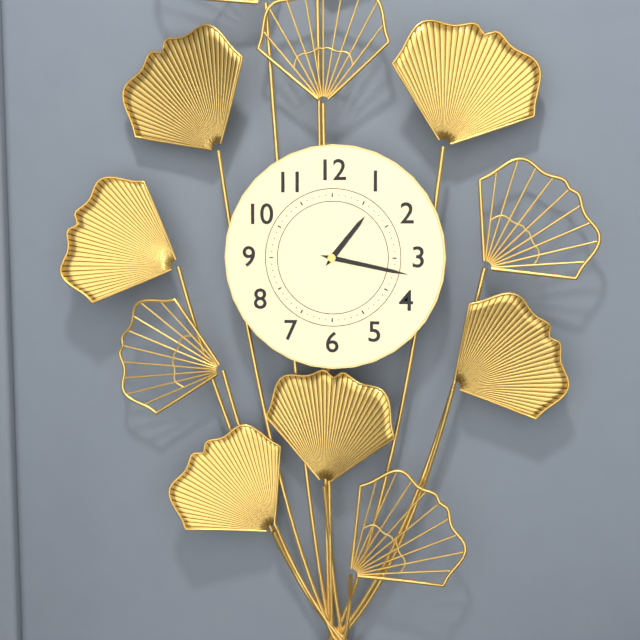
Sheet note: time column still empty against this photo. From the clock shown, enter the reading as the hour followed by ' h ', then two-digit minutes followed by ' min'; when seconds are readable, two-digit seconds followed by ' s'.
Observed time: 1 h 17 min
